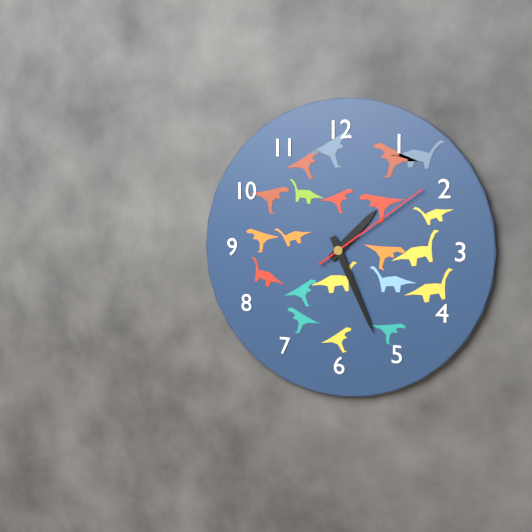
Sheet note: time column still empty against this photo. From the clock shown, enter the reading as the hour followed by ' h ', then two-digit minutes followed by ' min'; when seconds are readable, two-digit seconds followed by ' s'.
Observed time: 1 h 26 min 09 s
